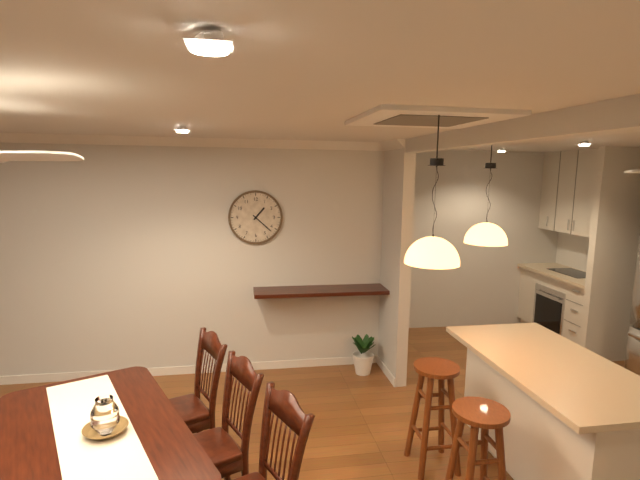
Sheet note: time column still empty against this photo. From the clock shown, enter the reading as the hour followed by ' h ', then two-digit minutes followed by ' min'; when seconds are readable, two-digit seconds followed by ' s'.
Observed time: 1 h 22 min
